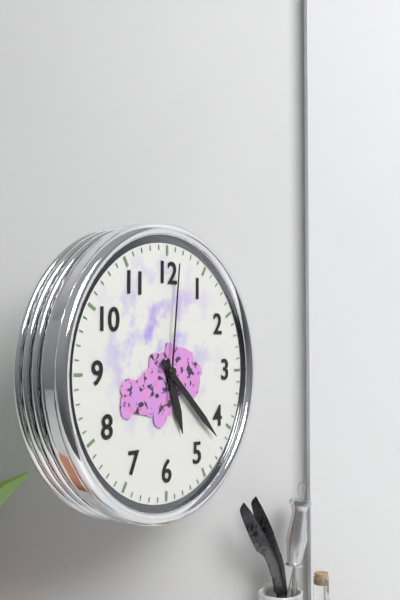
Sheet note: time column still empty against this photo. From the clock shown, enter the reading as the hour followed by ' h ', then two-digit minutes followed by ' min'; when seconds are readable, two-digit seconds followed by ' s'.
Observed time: 5 h 22 min 01 s
